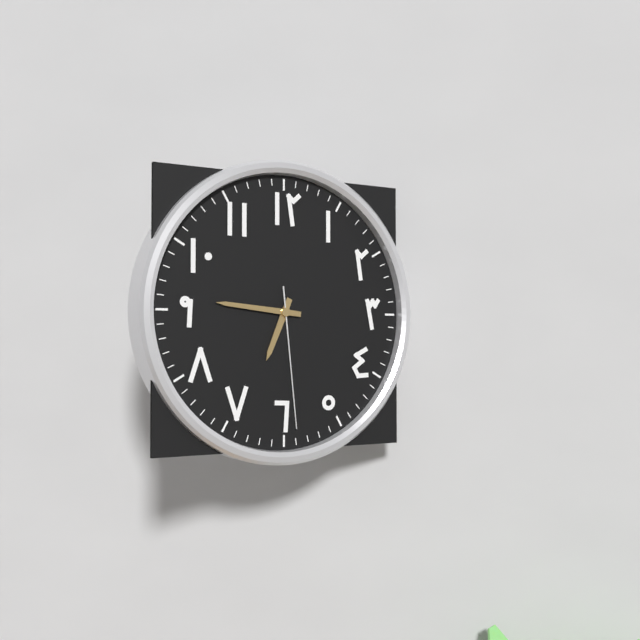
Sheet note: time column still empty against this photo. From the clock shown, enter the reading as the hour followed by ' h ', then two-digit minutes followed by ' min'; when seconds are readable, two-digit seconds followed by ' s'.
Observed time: 6 h 46 min 29 s
